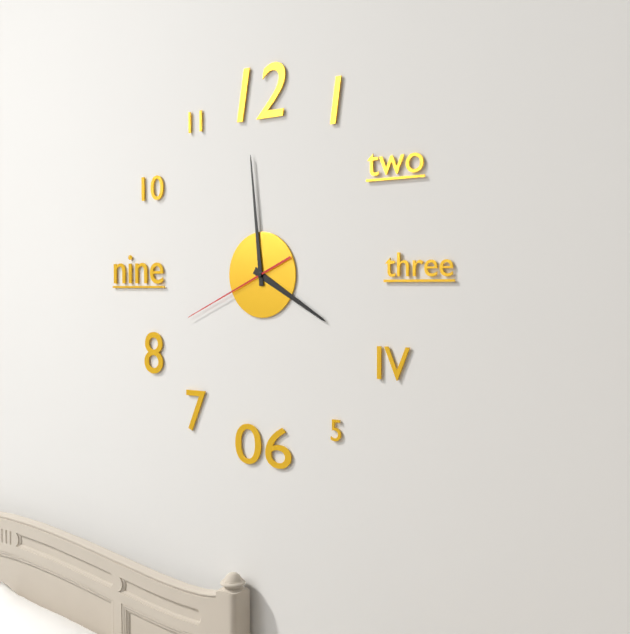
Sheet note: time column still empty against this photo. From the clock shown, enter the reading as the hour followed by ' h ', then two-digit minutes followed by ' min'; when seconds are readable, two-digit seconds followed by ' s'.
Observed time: 3 h 59 min 41 s
